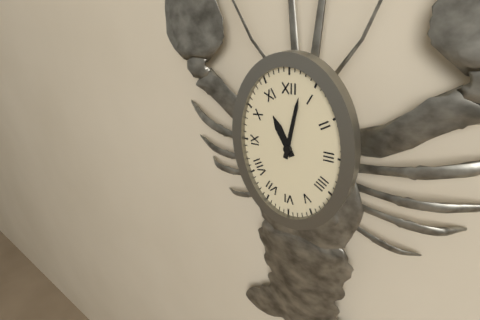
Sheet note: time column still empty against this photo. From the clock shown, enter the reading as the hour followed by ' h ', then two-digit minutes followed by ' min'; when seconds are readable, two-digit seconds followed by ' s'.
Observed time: 11 h 02 min
